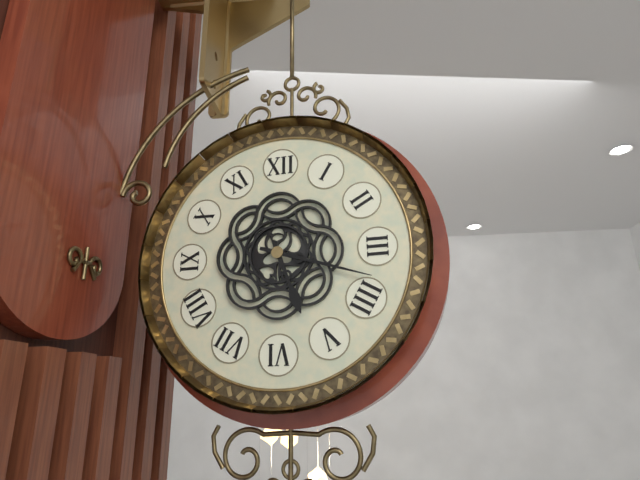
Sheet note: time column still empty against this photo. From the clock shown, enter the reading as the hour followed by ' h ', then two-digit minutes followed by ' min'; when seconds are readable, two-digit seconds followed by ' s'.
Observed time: 5 h 18 min
